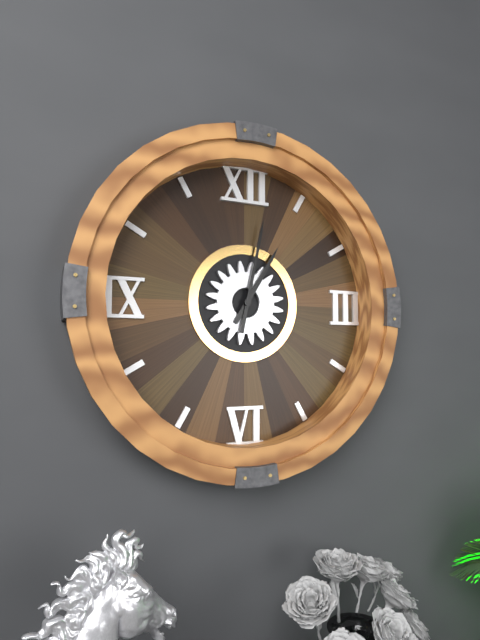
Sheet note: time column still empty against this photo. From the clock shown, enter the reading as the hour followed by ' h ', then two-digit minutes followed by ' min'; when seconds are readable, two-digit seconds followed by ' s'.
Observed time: 1 h 02 min
